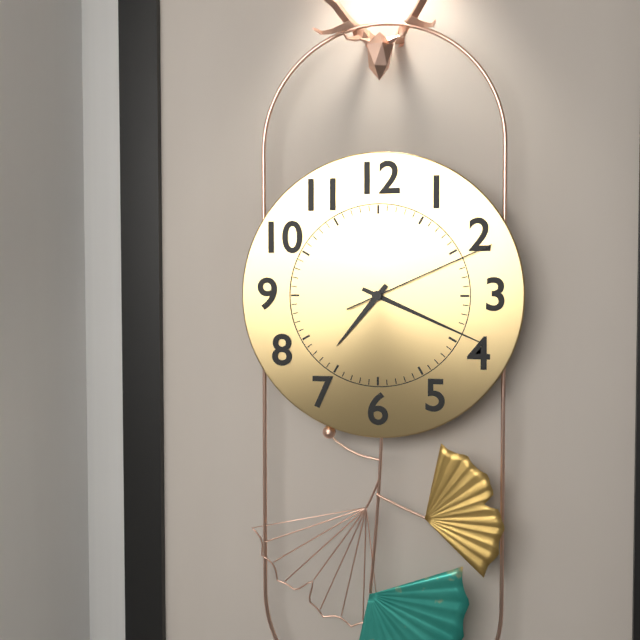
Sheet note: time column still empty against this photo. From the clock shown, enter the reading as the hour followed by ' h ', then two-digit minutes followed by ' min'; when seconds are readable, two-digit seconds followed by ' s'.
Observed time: 7 h 19 min 11 s
